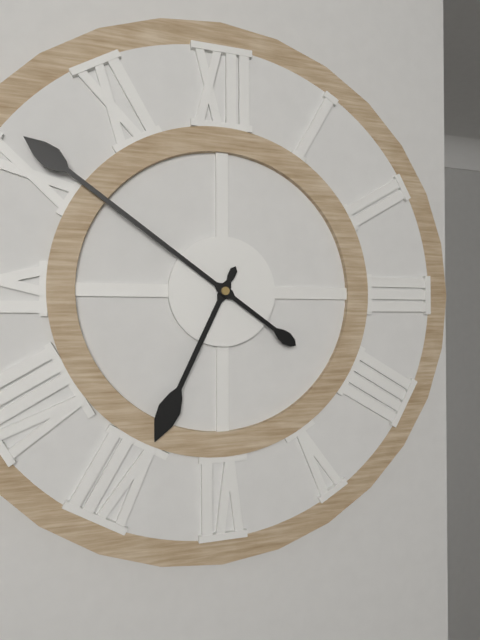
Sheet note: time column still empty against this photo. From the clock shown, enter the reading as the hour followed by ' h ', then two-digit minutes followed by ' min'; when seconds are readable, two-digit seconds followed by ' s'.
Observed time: 6 h 51 min
